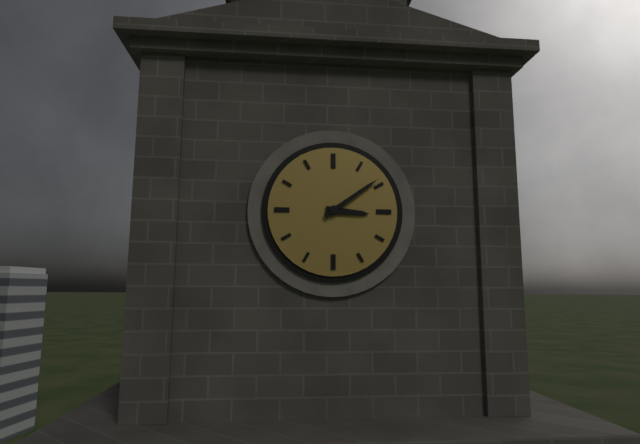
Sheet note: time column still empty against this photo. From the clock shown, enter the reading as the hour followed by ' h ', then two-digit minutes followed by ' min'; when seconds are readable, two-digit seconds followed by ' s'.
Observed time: 3 h 09 min
